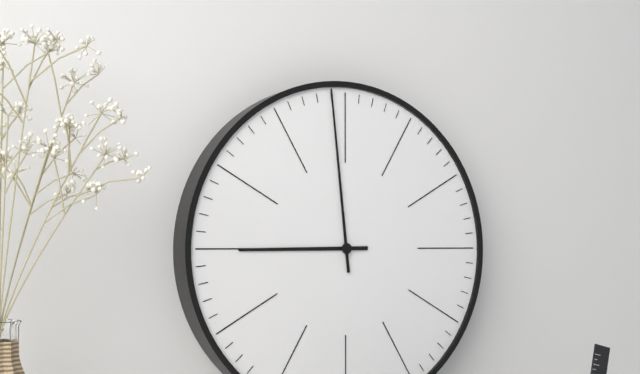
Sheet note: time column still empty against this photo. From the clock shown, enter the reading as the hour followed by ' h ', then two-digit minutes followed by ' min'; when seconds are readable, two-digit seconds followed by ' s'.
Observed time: 8 h 59 min
